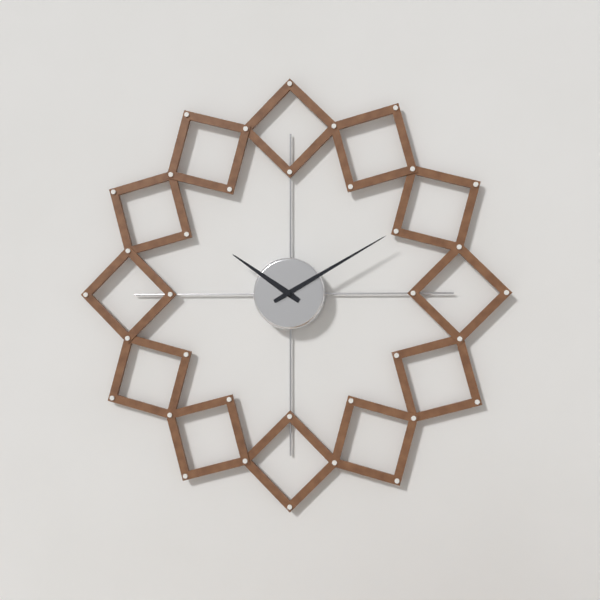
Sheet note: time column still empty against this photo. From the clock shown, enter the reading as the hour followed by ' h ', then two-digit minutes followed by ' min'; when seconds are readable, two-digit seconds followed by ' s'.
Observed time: 10 h 10 min
